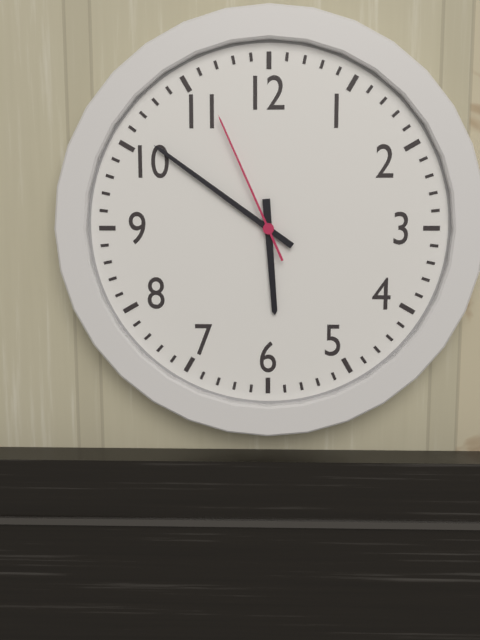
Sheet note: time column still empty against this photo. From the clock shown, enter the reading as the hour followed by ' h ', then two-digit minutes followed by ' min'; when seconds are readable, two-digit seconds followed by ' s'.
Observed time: 5 h 51 min 56 s
